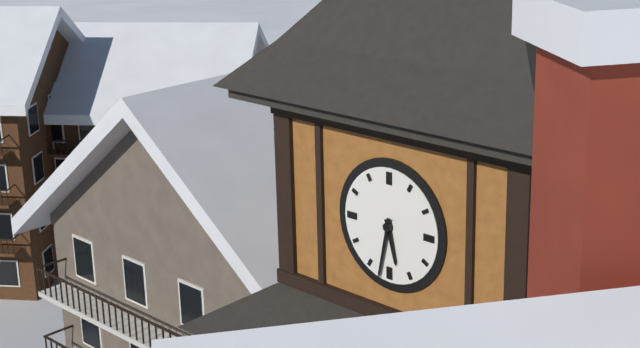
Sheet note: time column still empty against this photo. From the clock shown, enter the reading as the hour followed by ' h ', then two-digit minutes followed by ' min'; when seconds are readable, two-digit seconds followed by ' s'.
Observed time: 5 h 32 min
